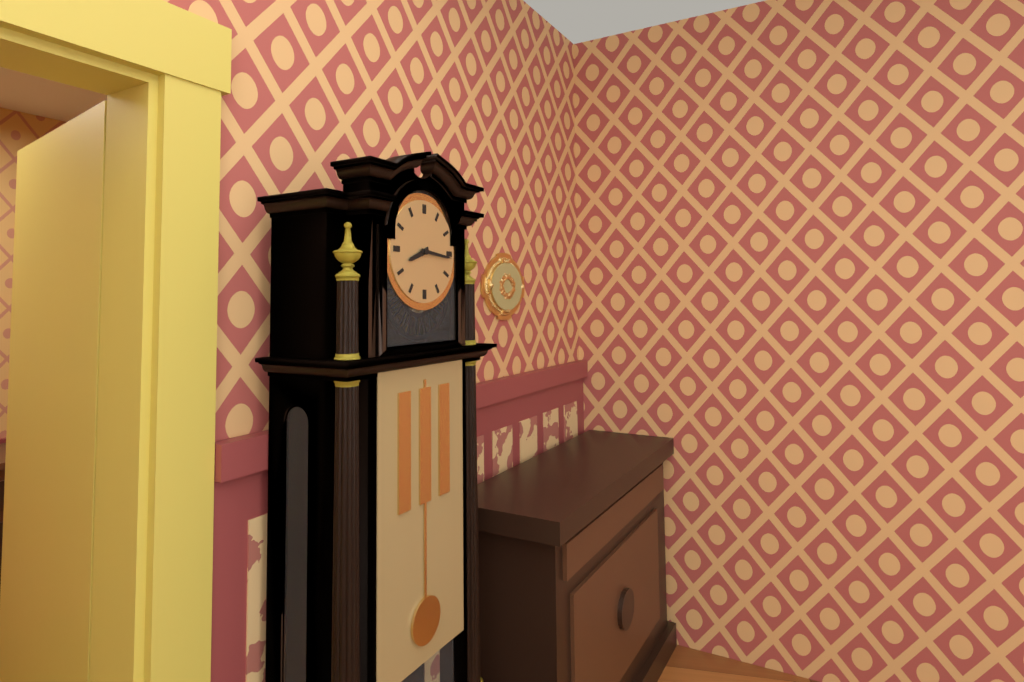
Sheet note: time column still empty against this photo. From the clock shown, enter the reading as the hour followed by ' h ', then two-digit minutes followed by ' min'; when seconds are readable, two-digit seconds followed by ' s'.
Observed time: 8 h 16 min
